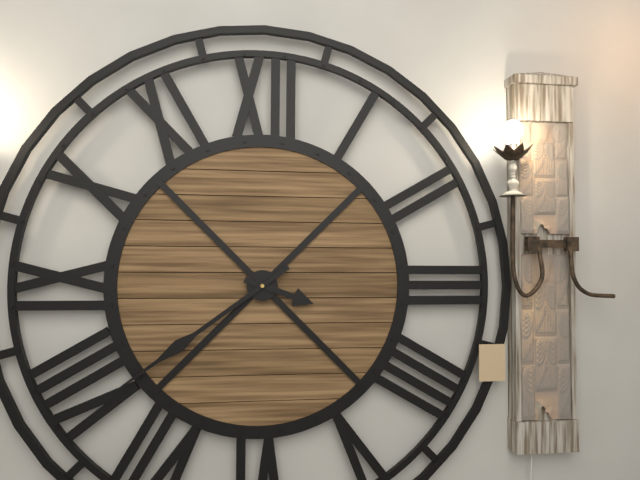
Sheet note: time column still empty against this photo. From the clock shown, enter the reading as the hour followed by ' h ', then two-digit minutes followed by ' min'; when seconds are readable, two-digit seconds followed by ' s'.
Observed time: 3 h 39 min
